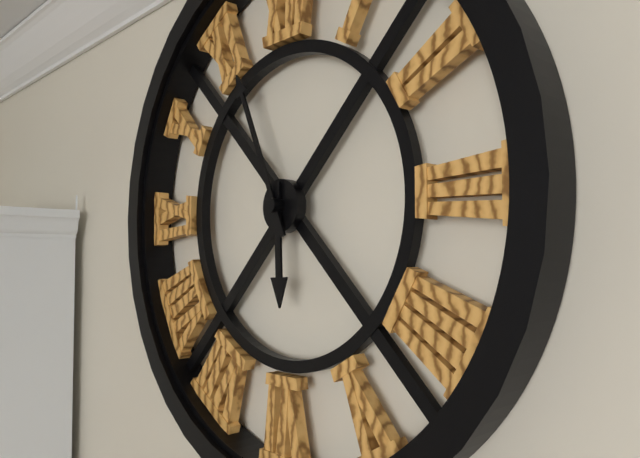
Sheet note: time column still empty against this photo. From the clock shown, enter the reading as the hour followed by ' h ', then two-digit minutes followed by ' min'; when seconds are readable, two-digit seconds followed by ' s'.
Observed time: 5 h 56 min
